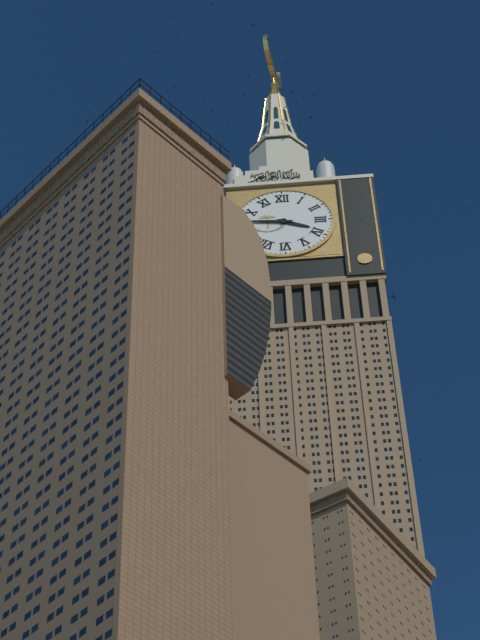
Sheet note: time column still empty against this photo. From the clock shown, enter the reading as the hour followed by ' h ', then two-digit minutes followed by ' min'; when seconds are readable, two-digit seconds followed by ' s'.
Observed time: 3 h 46 min
